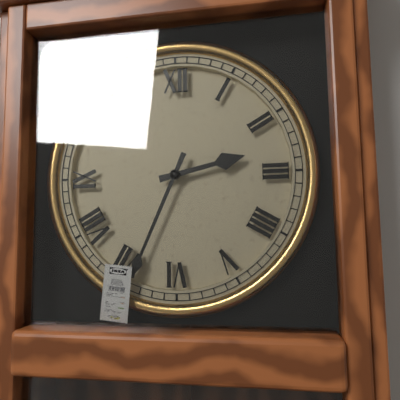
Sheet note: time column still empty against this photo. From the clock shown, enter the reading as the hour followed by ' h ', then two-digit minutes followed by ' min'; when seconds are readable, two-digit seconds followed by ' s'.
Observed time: 2 h 34 min
